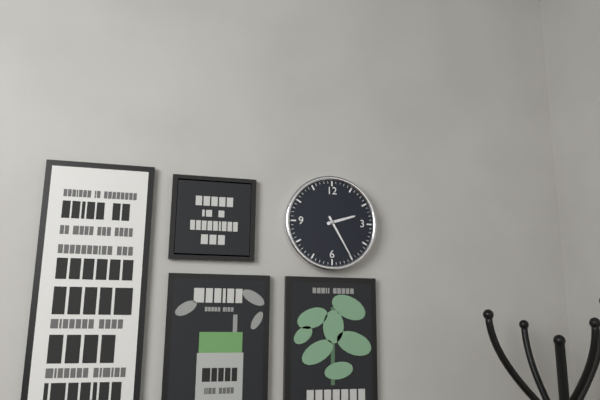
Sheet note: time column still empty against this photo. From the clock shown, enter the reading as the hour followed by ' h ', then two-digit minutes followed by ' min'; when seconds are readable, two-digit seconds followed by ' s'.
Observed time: 2 h 25 min
